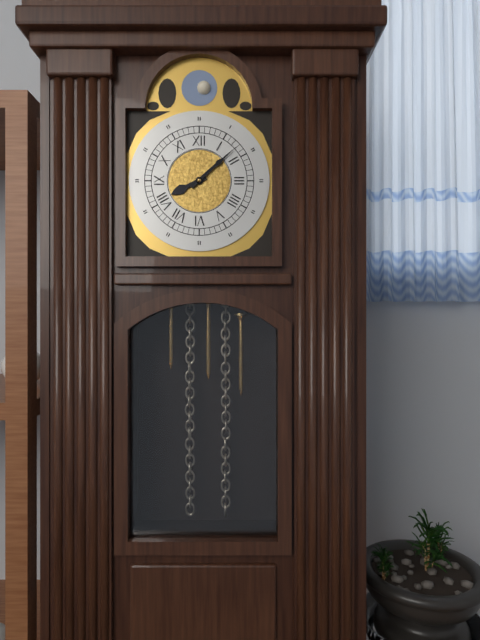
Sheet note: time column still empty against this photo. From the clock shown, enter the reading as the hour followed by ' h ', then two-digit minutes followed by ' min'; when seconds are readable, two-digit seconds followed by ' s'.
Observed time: 8 h 08 min
